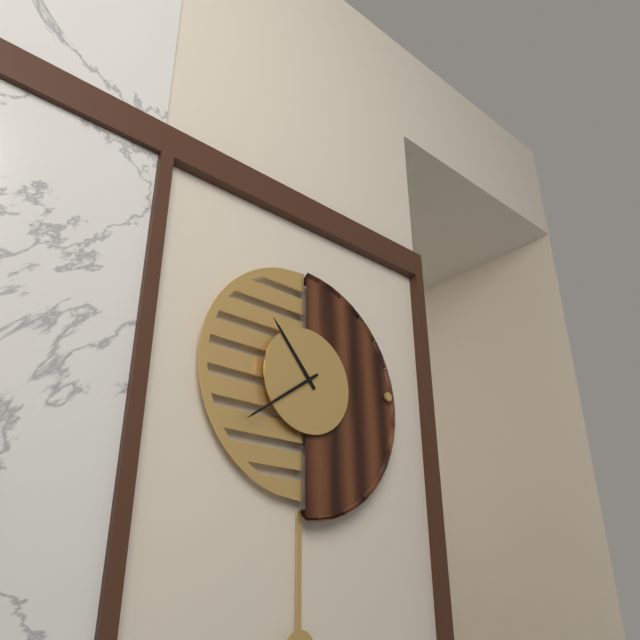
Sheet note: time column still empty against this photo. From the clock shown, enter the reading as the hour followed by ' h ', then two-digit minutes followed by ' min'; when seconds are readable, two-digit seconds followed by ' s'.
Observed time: 10 h 39 min
